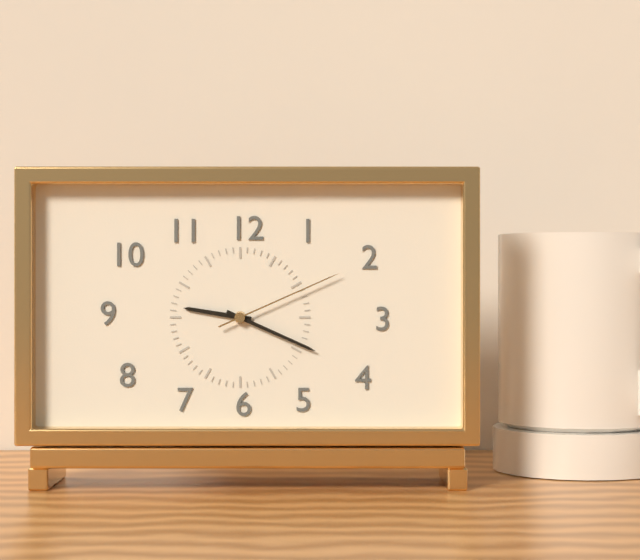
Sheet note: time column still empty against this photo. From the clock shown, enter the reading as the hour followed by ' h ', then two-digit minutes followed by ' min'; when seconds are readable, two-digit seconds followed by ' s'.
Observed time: 9 h 19 min 11 s
